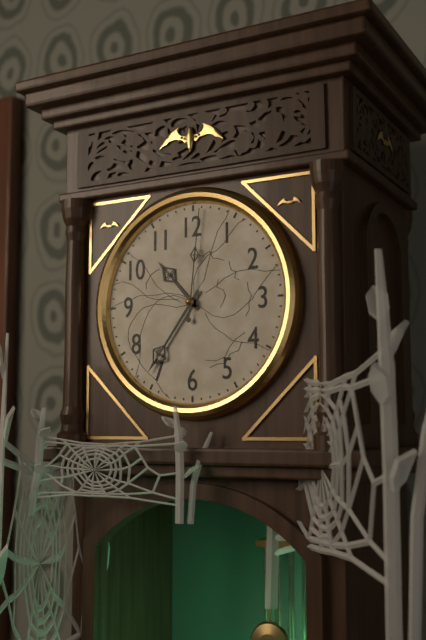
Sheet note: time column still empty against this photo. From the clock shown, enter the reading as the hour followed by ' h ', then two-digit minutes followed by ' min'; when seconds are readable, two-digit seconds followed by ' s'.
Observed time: 10 h 36 min 01 s
